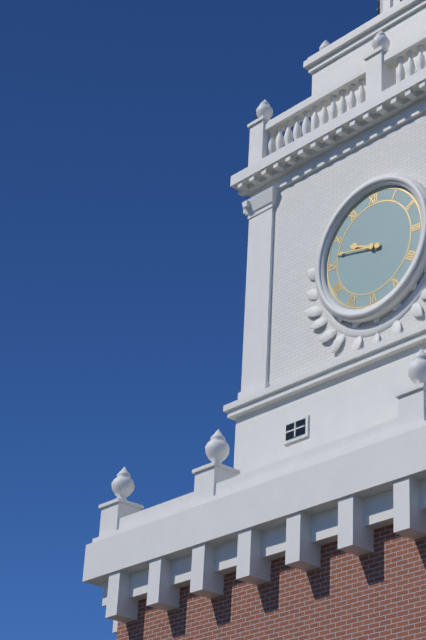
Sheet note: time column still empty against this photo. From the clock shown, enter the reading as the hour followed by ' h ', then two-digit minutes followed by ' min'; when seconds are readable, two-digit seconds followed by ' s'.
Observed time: 9 h 47 min
